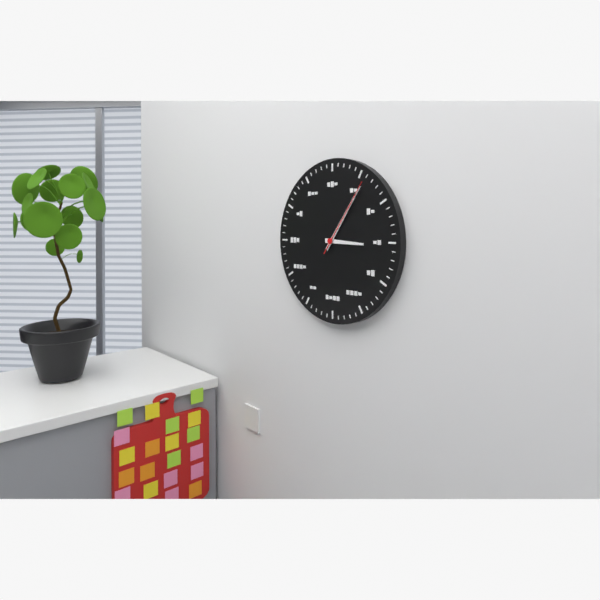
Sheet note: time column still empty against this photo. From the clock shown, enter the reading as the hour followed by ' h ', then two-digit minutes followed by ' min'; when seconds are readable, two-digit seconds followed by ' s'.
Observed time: 3 h 06 min 06 s
